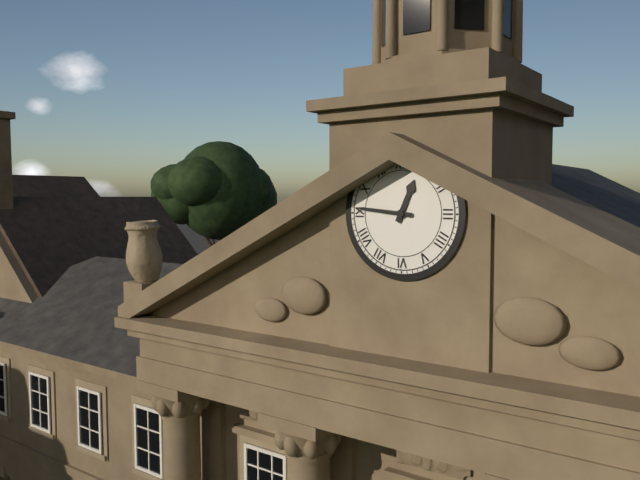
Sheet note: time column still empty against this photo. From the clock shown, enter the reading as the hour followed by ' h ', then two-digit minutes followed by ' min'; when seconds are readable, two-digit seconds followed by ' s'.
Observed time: 12 h 46 min
